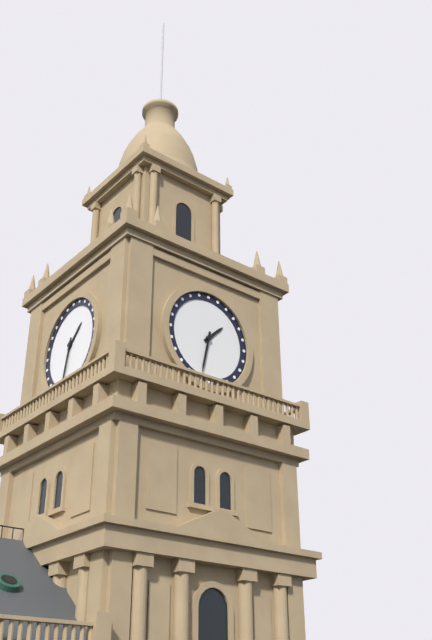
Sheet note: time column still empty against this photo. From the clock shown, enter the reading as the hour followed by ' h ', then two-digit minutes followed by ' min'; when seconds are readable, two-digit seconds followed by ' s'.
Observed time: 1 h 32 min
